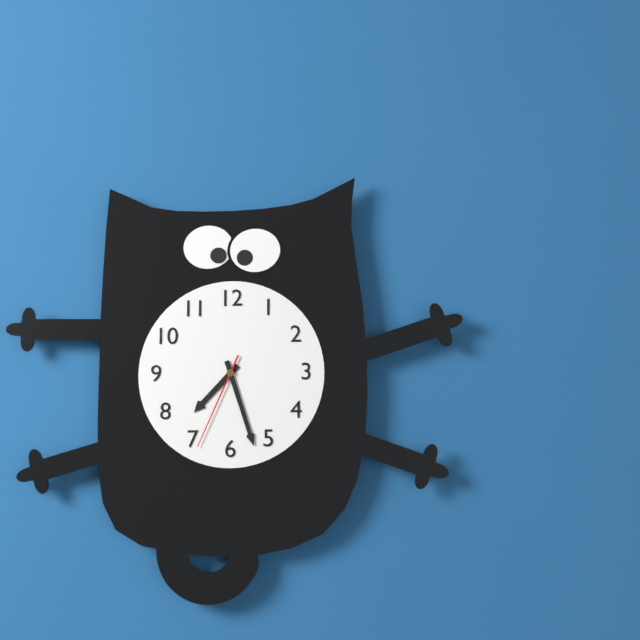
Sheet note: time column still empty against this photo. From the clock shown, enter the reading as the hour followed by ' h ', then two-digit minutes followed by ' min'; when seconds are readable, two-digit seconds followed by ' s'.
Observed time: 7 h 27 min 34 s
